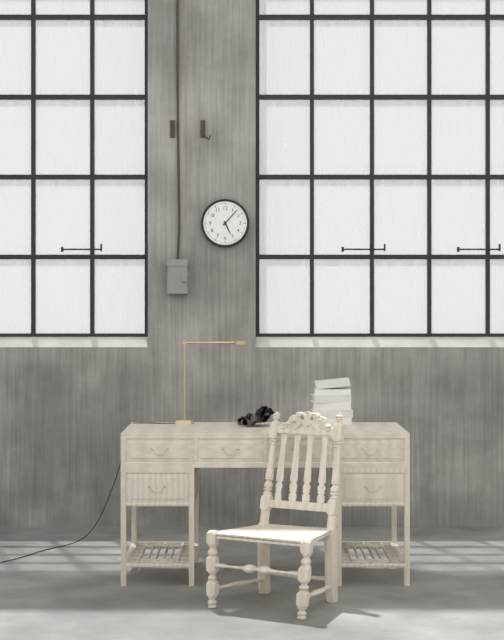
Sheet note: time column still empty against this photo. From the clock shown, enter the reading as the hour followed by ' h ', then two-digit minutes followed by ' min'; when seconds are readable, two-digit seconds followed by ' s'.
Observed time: 5 h 07 min
